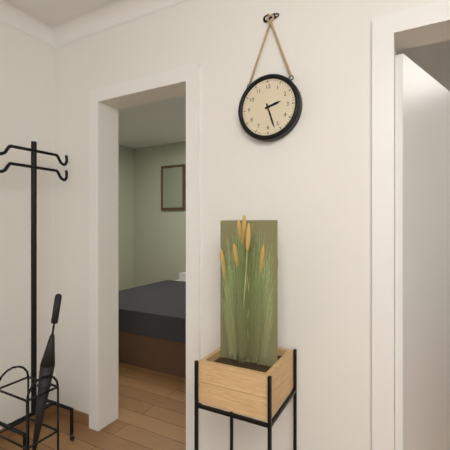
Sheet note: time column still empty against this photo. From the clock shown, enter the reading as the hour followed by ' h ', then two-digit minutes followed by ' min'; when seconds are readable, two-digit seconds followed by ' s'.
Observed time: 2 h 27 min
